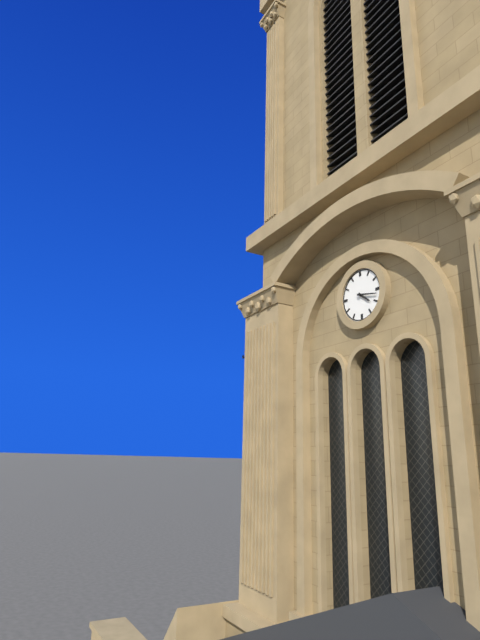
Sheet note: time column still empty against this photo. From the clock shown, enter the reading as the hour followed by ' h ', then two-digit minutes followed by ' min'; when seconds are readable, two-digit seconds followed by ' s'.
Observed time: 4 h 17 min
